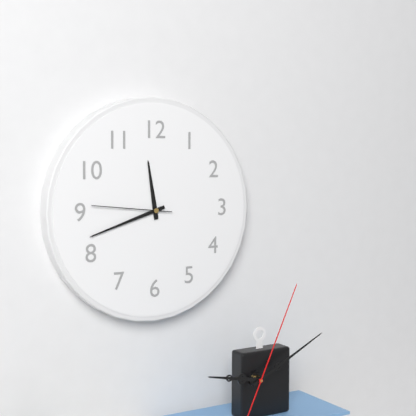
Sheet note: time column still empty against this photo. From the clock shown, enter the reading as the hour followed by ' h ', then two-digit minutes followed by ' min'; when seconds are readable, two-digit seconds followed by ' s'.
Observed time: 11 h 42 min 46 s
